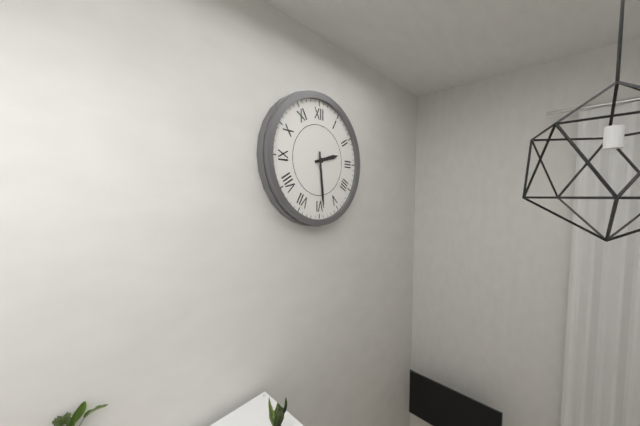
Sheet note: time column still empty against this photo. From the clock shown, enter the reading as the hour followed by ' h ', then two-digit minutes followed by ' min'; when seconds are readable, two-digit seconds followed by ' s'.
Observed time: 2 h 29 min
